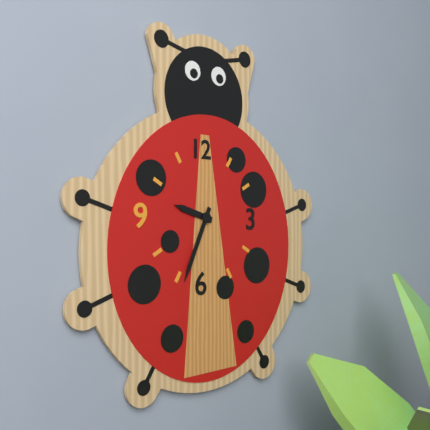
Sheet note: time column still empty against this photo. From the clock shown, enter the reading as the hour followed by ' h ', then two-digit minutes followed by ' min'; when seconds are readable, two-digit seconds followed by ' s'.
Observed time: 9 h 34 min
